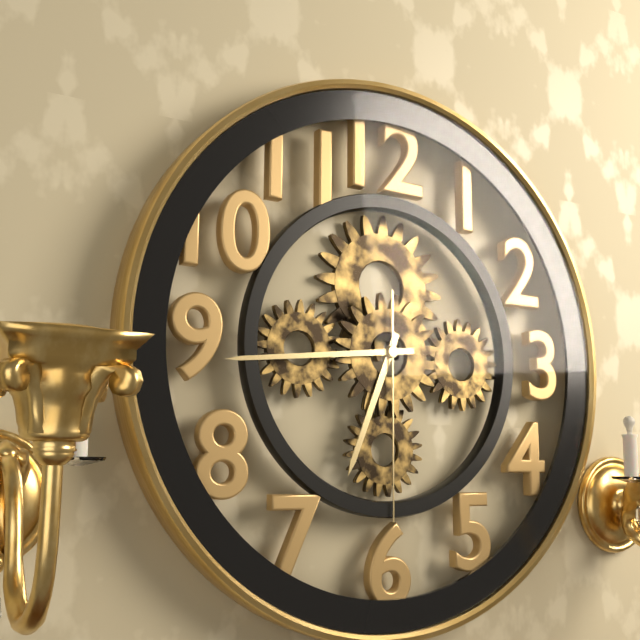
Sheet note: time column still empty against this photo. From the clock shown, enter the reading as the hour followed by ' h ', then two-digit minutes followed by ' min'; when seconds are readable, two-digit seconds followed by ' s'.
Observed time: 6 h 44 min 30 s
